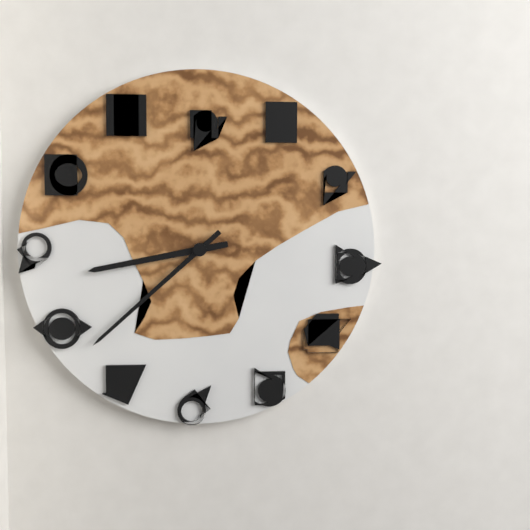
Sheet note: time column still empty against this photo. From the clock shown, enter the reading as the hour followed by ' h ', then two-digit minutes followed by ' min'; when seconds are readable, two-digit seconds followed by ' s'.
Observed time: 8 h 38 min
